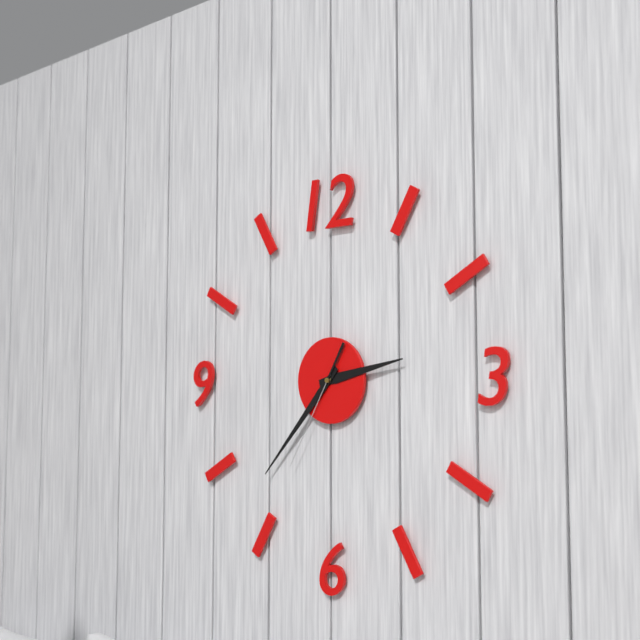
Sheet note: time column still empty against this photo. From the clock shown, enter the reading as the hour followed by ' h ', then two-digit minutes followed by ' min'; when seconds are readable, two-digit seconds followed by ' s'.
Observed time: 2 h 37 min 35 s
